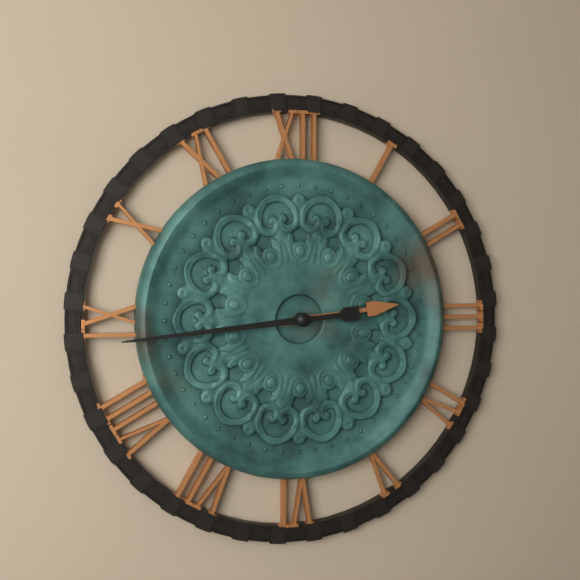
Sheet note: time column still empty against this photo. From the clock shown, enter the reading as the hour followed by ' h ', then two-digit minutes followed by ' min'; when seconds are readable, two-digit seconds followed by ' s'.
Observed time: 2 h 44 min
